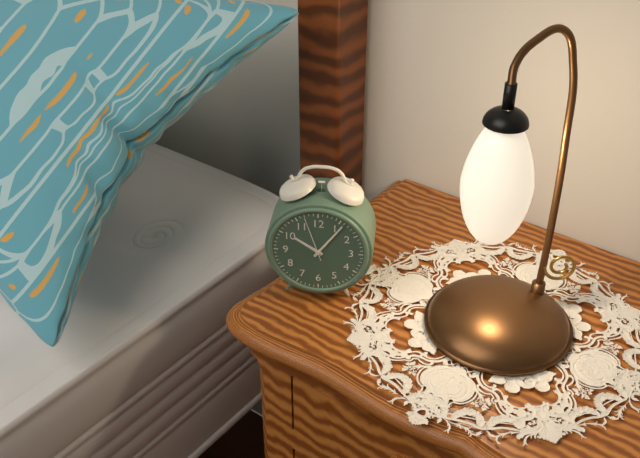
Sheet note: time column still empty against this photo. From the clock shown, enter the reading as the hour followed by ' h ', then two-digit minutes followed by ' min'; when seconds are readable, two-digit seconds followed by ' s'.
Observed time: 10 h 06 min
